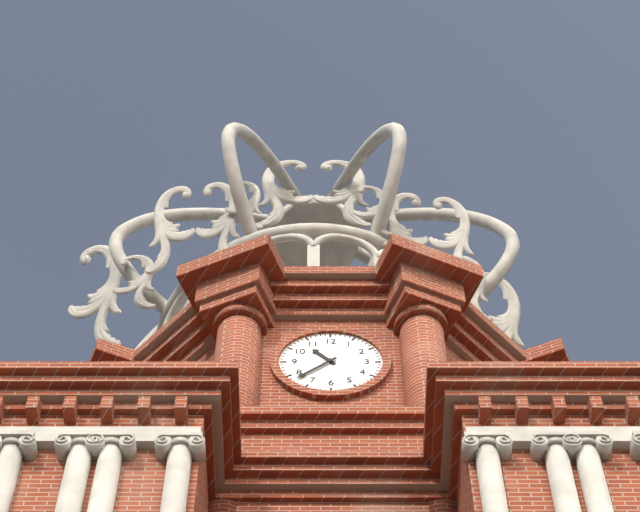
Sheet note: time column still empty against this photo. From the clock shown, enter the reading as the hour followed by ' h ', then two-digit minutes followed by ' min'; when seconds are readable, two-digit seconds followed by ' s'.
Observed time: 10 h 38 min
